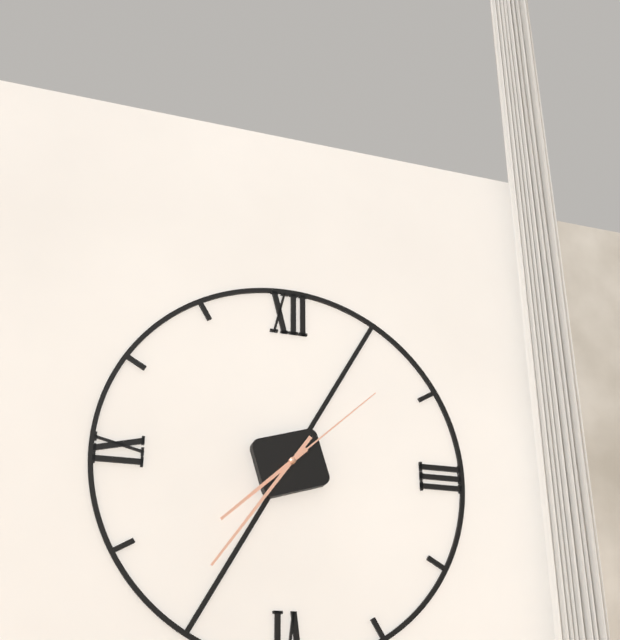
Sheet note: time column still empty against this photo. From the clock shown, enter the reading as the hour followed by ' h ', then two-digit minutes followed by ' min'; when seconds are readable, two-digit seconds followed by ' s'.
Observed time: 7 h 36 min 08 s
